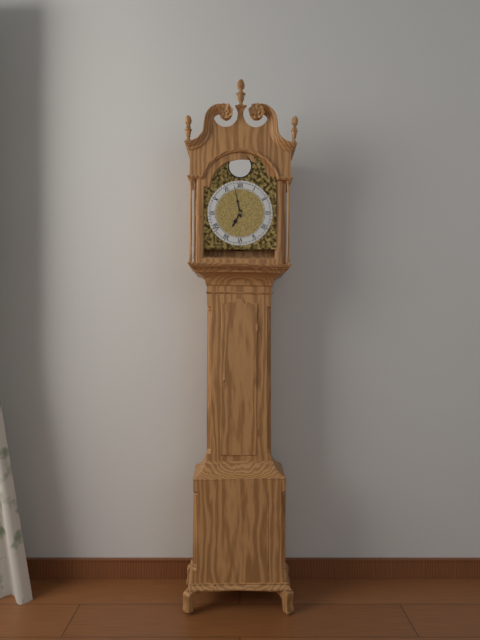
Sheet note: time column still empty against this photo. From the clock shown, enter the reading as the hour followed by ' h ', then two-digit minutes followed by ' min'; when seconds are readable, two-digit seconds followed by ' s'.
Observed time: 6 h 58 min
